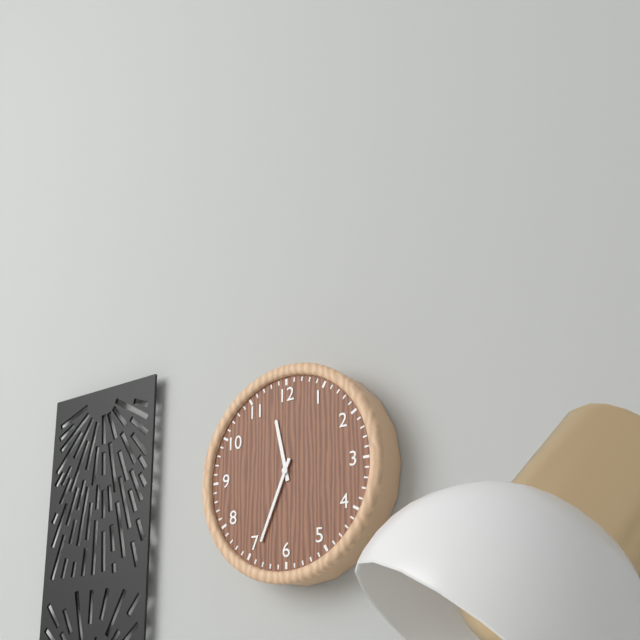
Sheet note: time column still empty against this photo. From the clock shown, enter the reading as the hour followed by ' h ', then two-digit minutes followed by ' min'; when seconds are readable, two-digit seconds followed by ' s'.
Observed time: 11 h 34 min
